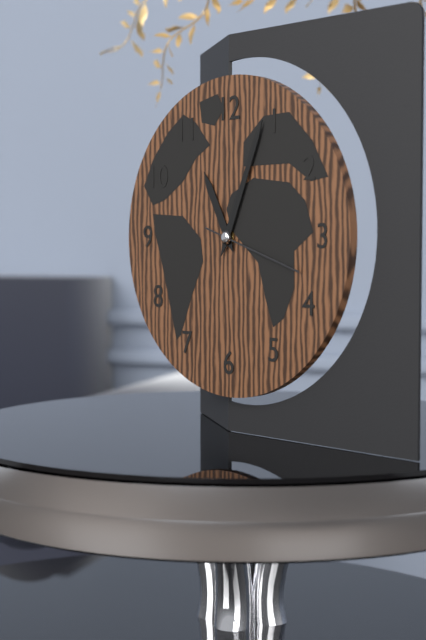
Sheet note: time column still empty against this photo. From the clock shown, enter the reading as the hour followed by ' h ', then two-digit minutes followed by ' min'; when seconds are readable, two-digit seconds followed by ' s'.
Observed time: 11 h 04 min 18 s
